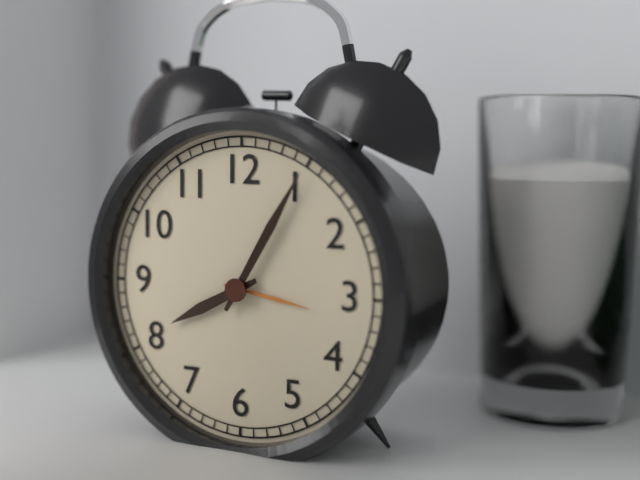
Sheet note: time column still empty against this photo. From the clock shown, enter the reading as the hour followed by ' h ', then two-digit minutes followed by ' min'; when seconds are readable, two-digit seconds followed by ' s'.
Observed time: 8 h 05 min
